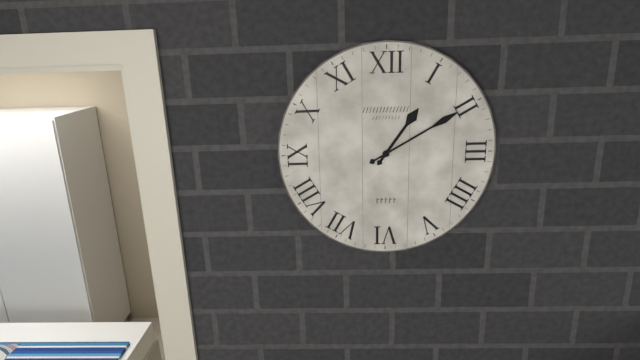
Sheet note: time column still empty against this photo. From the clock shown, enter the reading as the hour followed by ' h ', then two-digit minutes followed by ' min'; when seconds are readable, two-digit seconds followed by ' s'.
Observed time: 1 h 10 min
